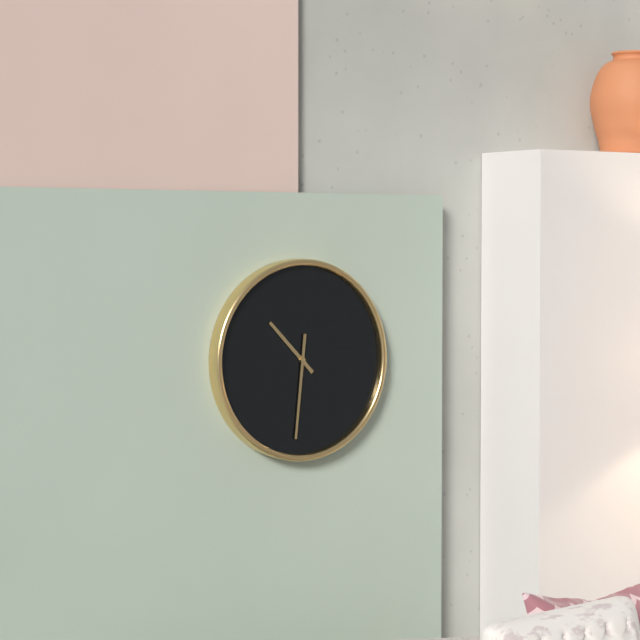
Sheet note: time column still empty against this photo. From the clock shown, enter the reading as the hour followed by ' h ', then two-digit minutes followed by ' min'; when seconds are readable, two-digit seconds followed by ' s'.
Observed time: 10 h 31 min
